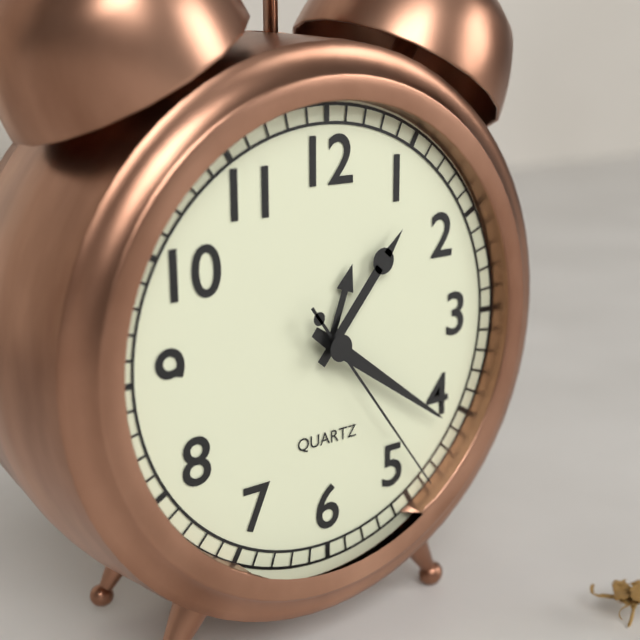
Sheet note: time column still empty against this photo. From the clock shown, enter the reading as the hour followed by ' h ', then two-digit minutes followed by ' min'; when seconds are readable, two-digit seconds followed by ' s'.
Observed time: 1 h 21 min 24 s
